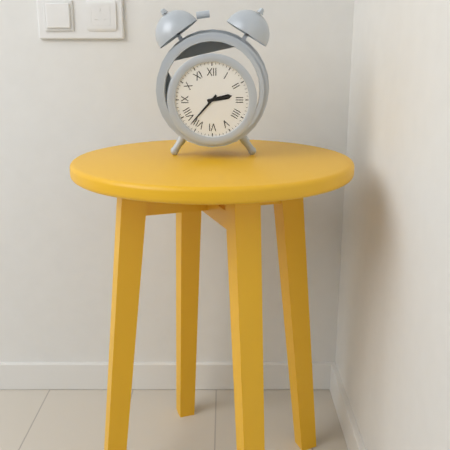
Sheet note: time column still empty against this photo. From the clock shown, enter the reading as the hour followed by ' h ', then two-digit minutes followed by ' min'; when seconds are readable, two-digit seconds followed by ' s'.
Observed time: 2 h 37 min
